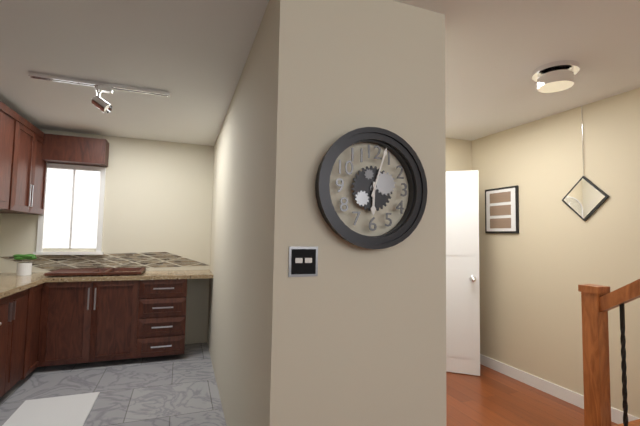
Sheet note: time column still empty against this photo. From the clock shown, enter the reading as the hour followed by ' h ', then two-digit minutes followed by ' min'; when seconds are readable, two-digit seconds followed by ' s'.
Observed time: 6 h 03 min
